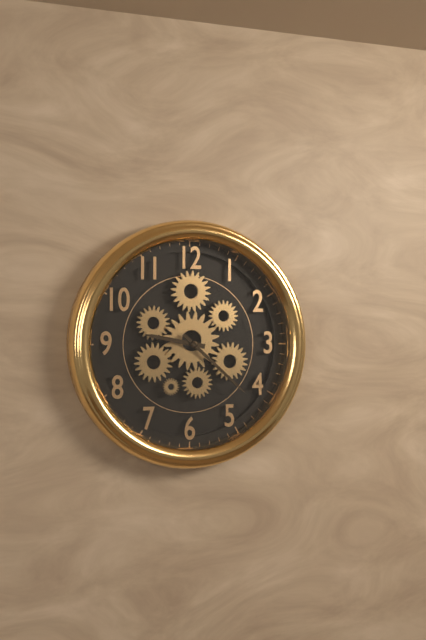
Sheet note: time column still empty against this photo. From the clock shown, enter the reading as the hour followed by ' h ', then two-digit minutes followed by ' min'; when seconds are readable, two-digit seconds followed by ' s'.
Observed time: 9 h 22 min
